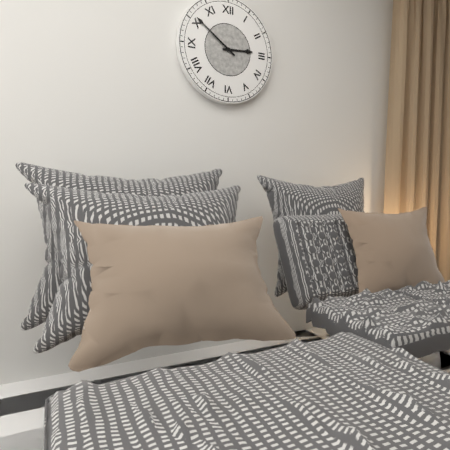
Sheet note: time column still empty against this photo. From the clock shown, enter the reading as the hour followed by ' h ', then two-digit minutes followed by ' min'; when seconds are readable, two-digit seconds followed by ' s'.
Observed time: 2 h 51 min
